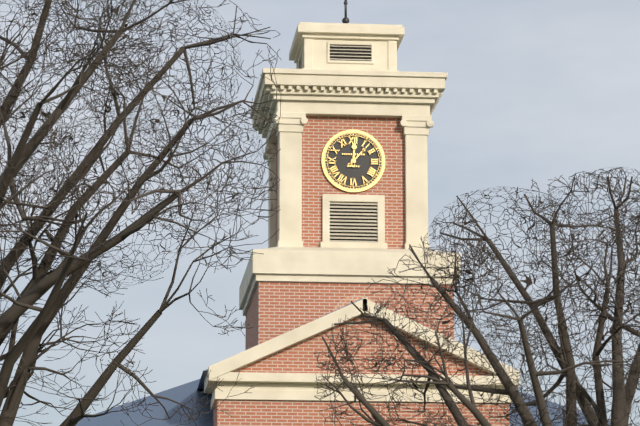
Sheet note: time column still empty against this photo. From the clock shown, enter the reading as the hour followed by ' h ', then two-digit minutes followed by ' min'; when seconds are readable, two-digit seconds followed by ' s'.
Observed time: 12 h 07 min
